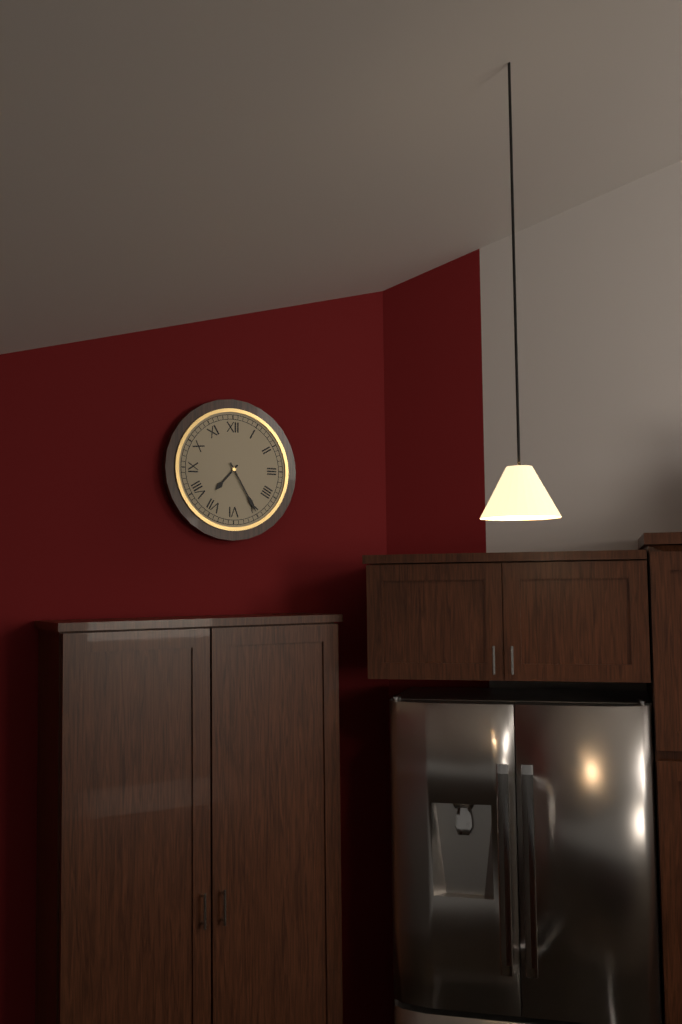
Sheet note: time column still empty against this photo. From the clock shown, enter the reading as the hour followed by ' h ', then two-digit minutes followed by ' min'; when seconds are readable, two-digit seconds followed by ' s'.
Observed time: 7 h 25 min
